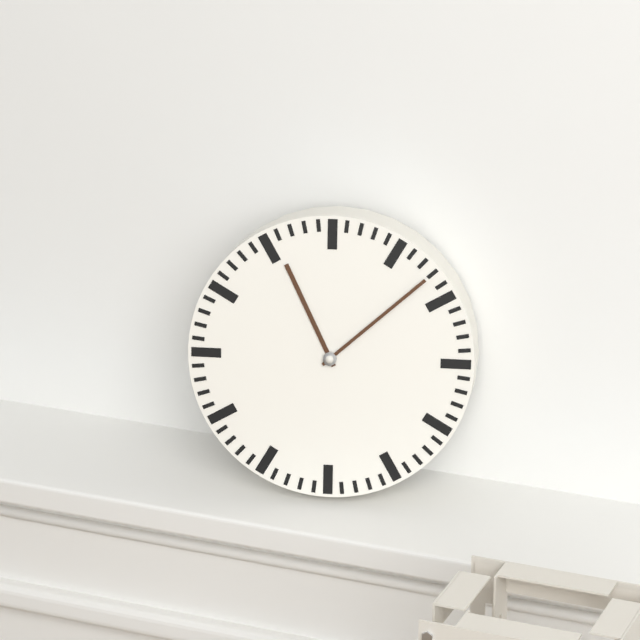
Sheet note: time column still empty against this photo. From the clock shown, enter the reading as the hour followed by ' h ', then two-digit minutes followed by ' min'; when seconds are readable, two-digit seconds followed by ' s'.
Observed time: 11 h 08 min
